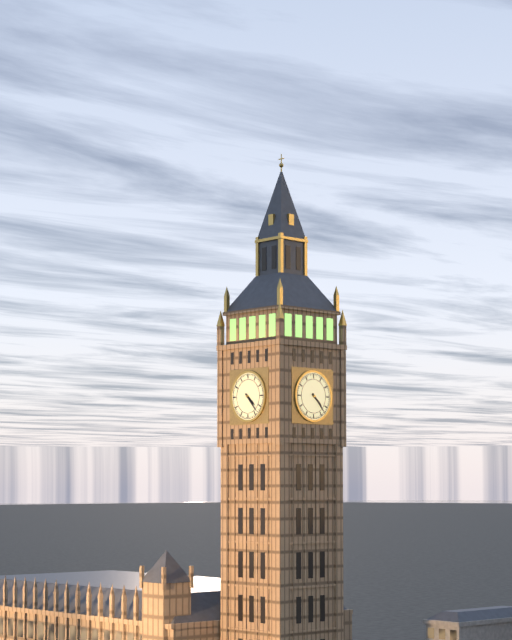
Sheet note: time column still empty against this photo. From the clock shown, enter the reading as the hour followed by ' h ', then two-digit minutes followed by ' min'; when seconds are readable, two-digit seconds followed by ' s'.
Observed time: 4 h 23 min
